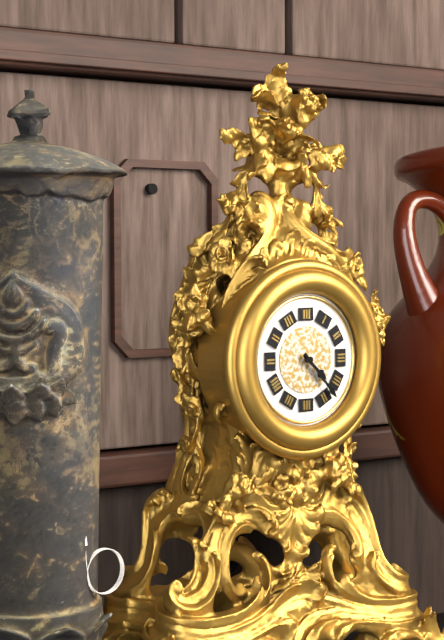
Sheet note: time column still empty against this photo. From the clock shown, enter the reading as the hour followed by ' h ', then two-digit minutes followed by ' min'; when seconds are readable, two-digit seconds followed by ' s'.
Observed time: 4 h 23 min
